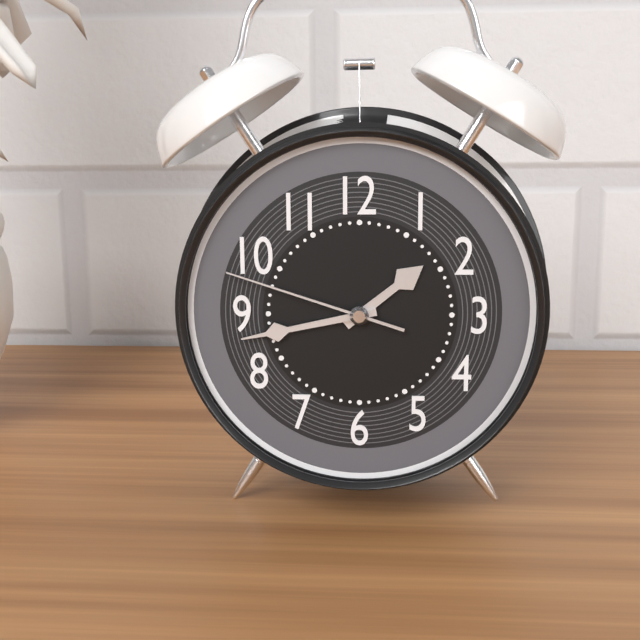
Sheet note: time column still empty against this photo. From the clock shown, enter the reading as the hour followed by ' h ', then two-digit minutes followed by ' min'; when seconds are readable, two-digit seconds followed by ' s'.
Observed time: 1 h 43 min 48 s
